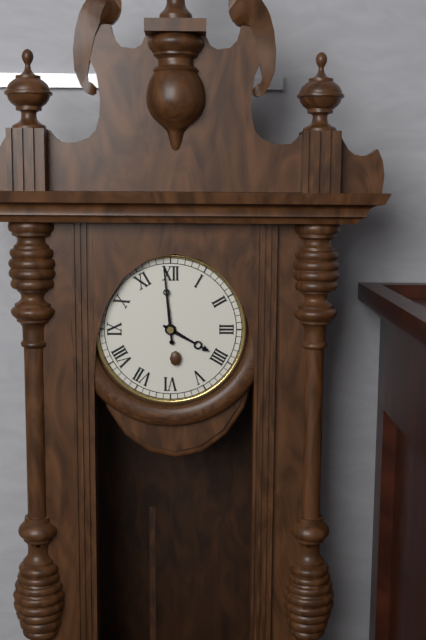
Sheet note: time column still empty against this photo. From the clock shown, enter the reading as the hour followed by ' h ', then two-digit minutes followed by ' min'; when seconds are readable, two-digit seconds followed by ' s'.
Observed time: 3 h 59 min
